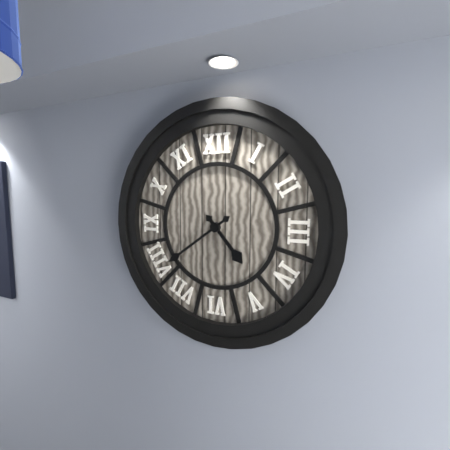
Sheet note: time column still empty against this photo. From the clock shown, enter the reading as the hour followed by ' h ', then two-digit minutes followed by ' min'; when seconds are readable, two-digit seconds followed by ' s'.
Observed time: 4 h 39 min
